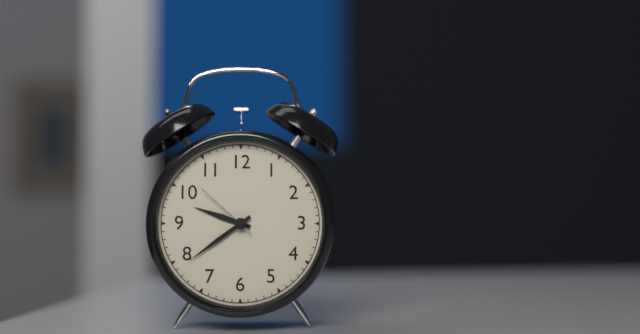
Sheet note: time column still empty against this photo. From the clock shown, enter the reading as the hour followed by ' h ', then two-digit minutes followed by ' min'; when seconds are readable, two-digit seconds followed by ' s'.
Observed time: 9 h 39 min 52 s
